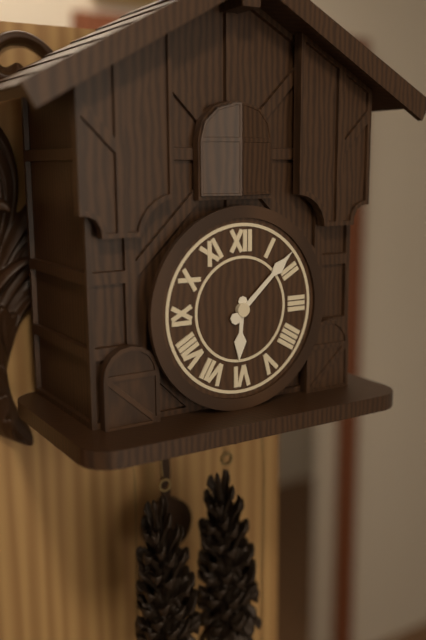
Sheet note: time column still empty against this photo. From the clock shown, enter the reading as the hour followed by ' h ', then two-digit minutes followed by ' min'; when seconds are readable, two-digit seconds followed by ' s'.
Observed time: 6 h 08 min
